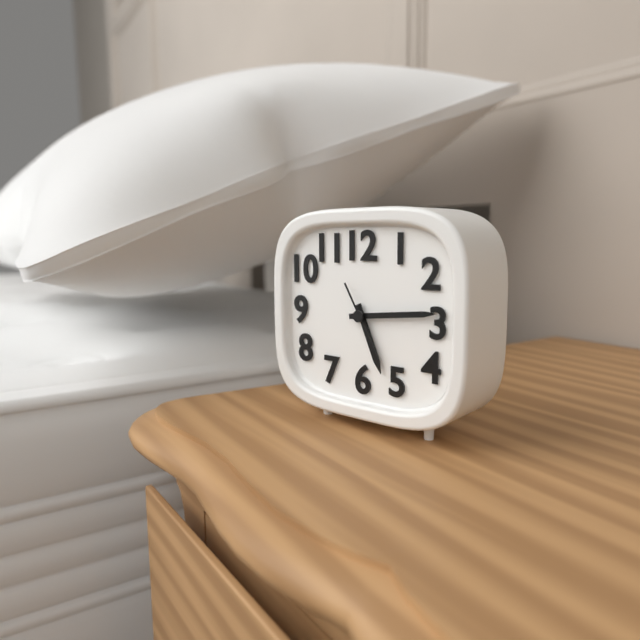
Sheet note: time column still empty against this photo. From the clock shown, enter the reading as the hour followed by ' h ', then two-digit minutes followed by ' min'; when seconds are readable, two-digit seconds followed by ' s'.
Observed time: 5 h 14 min 25 s
